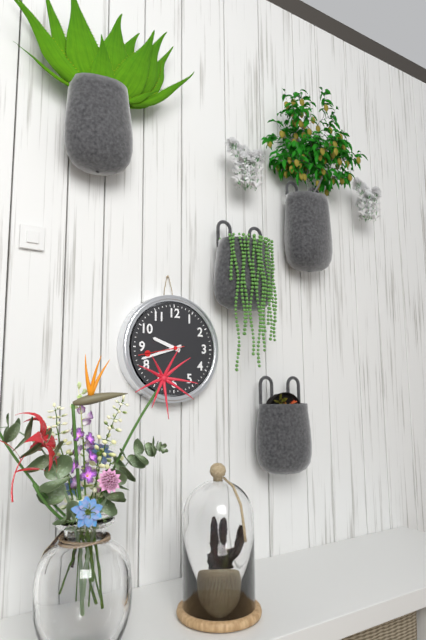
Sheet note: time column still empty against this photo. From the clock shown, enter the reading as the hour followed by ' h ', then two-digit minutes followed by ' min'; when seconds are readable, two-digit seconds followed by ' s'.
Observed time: 9 h 42 min
